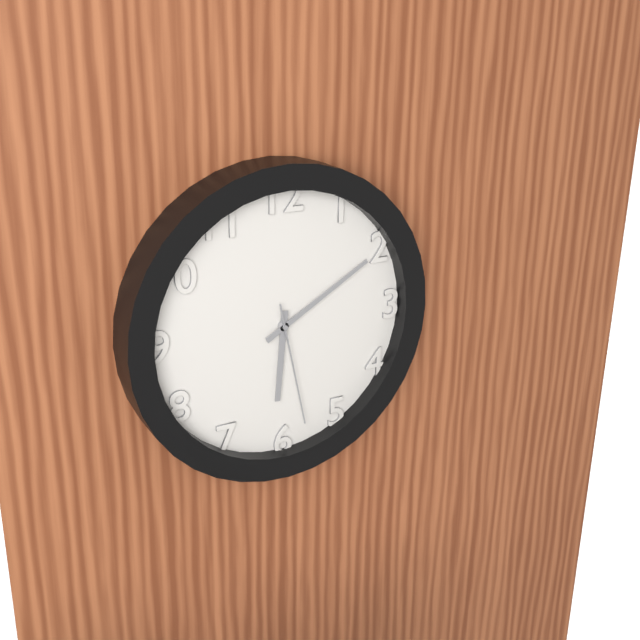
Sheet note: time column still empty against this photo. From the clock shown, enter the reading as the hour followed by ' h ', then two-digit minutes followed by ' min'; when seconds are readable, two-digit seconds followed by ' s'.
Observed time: 6 h 10 min 28 s
